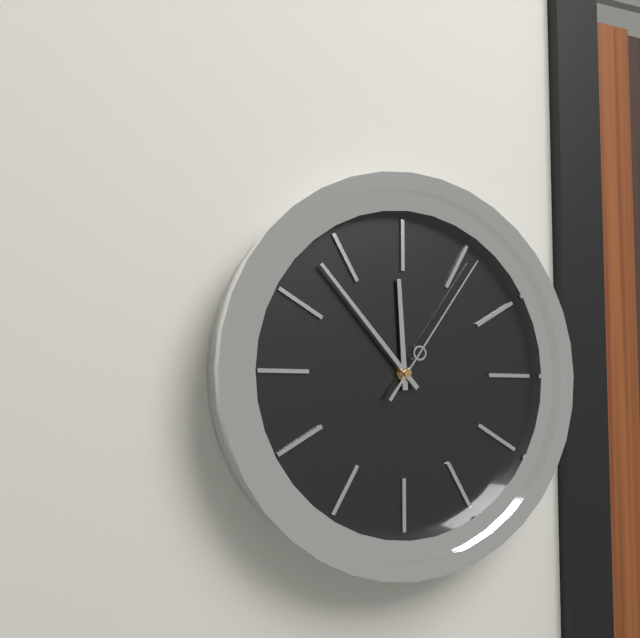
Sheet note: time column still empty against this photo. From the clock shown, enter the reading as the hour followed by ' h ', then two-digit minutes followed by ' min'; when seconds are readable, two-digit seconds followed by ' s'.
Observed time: 11 h 53 min 06 s
